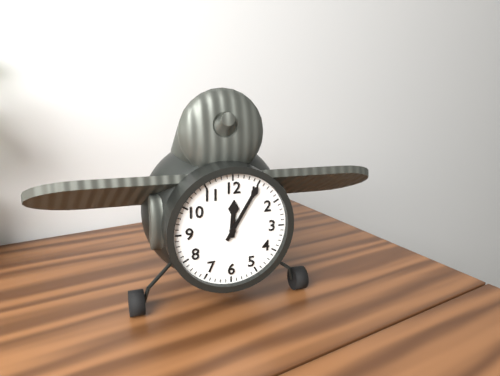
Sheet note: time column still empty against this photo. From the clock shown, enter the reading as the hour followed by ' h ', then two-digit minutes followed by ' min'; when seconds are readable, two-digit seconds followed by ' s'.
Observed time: 12 h 05 min
